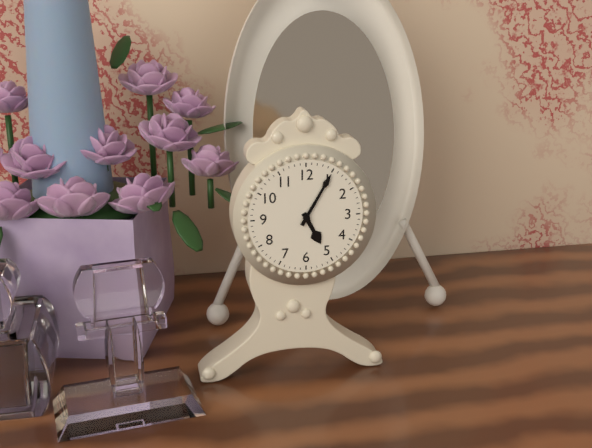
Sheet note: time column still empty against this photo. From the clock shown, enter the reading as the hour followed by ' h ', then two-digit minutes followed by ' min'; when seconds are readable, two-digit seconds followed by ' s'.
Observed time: 5 h 05 min
